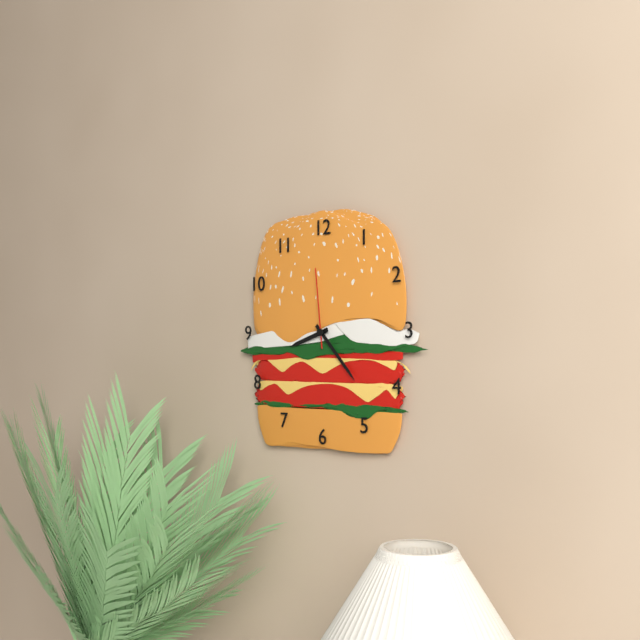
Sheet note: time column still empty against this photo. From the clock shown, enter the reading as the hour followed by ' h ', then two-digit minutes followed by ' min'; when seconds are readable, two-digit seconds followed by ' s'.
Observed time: 8 h 23 min 59 s
